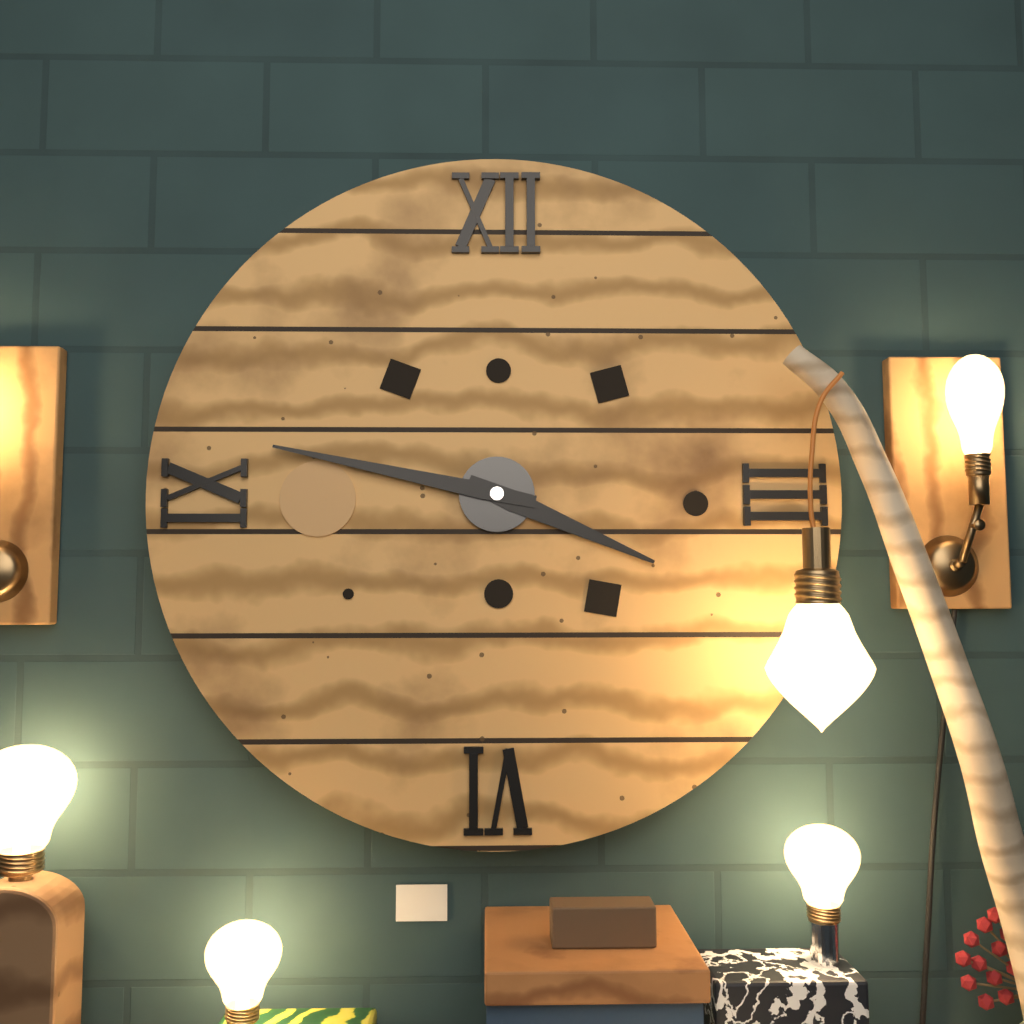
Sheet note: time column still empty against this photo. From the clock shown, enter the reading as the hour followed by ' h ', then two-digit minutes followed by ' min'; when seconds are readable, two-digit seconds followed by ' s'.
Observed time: 3 h 47 min
